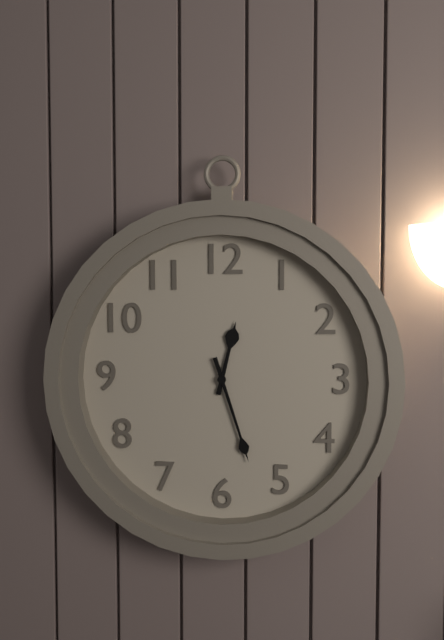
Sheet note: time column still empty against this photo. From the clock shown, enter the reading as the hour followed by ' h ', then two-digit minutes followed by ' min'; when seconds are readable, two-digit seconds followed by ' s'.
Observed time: 12 h 27 min
